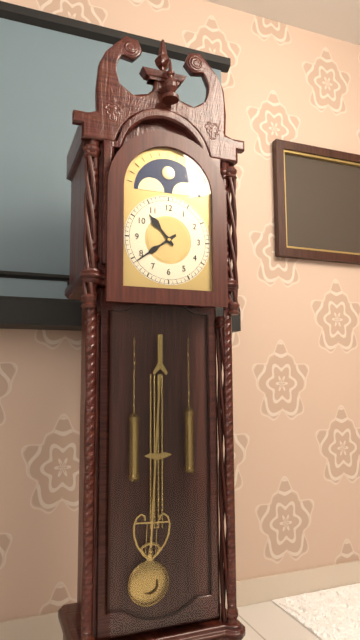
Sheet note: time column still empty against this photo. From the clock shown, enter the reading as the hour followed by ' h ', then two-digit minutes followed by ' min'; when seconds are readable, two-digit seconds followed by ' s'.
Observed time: 10 h 39 min
